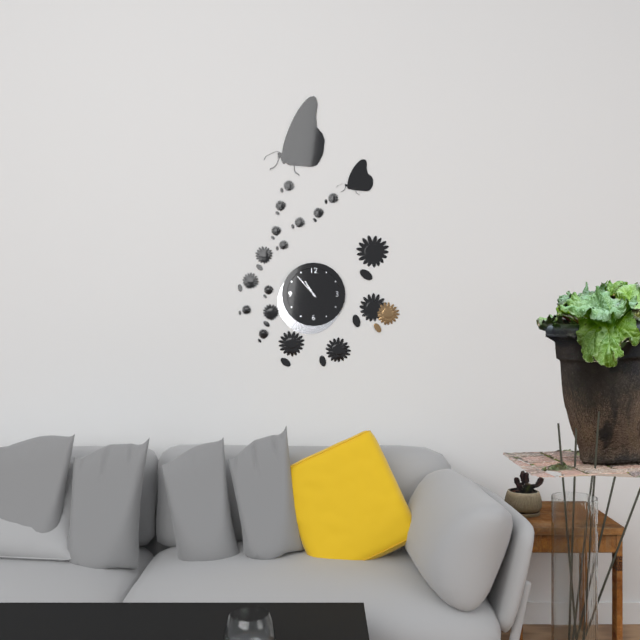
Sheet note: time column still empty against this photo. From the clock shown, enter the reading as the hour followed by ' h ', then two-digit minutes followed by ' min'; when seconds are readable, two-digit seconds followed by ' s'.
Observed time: 10 h 53 min
